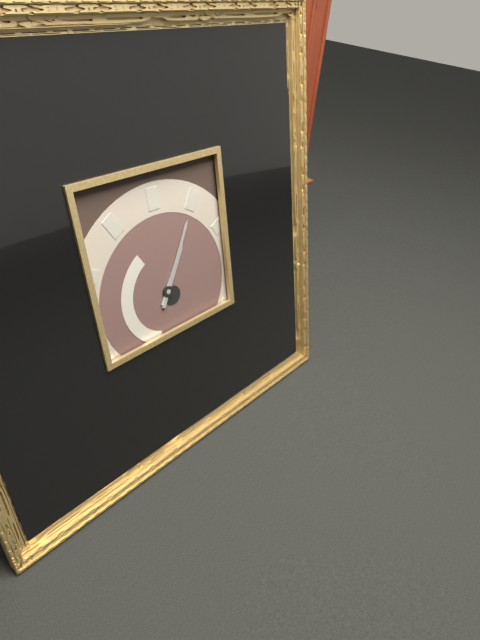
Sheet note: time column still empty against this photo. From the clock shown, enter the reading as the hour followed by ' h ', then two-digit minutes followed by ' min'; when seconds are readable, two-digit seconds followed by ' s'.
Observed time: 1 h 05 min
